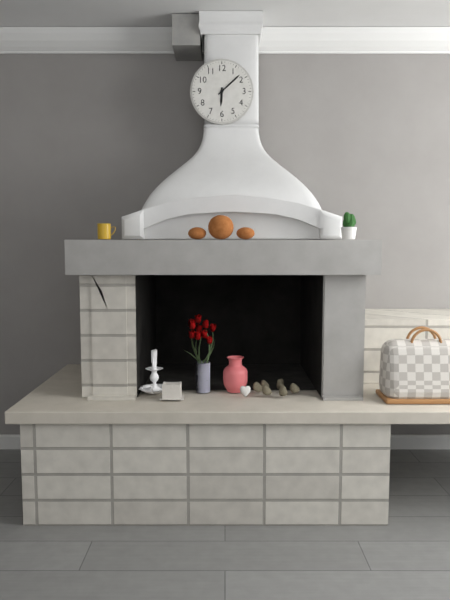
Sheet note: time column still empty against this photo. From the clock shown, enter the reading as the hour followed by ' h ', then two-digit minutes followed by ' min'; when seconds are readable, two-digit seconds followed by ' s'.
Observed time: 6 h 08 min
